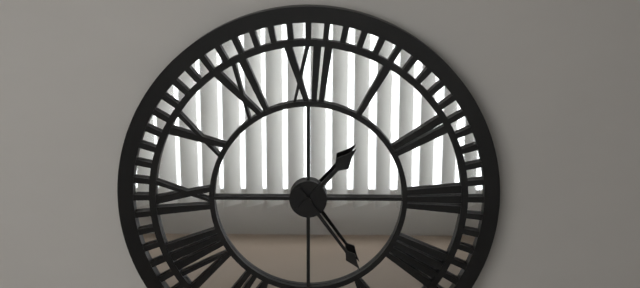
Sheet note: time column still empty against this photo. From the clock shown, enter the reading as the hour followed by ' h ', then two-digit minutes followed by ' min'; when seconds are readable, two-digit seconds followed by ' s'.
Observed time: 1 h 24 min
